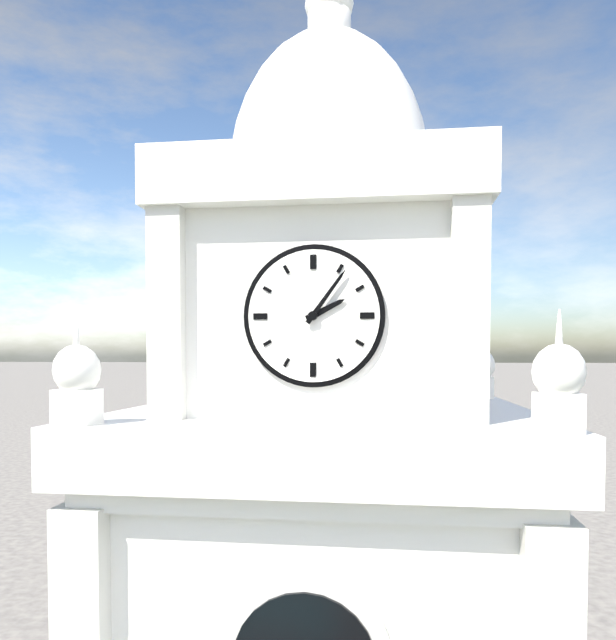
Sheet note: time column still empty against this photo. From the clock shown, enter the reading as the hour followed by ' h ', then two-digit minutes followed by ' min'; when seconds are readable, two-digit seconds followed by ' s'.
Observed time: 2 h 06 min
